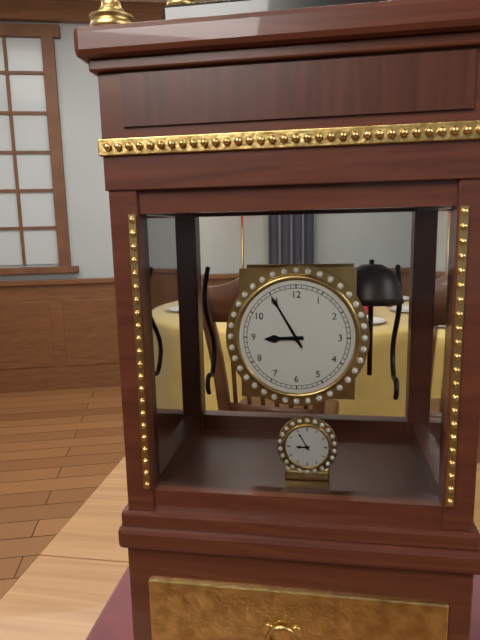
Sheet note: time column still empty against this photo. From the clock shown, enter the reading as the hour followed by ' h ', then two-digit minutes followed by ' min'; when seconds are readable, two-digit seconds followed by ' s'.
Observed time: 8 h 55 min
